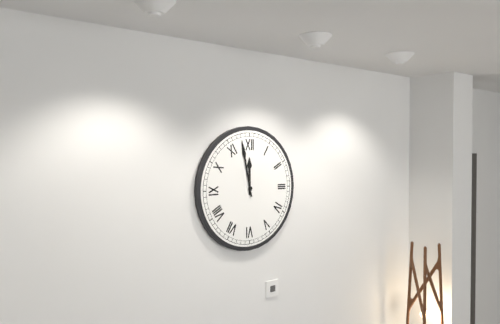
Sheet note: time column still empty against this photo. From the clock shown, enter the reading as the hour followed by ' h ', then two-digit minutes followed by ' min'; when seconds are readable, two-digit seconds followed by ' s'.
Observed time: 11 h 58 min
